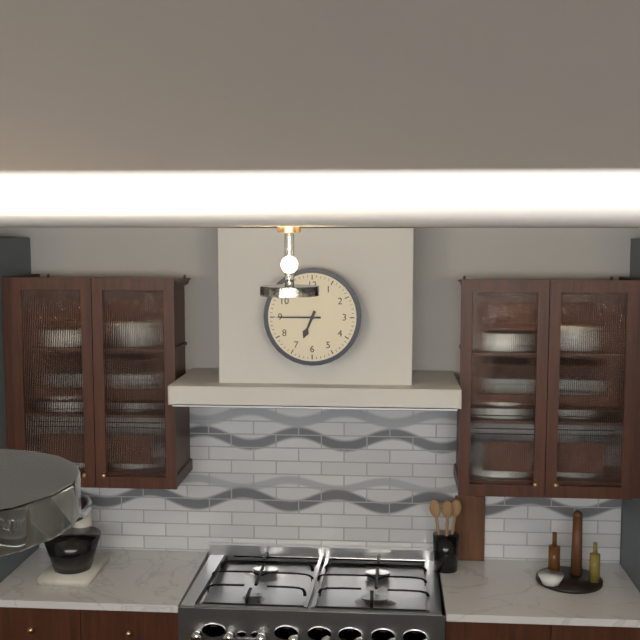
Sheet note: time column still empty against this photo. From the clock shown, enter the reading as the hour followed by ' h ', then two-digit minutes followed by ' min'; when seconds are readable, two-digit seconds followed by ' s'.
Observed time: 6 h 45 min
